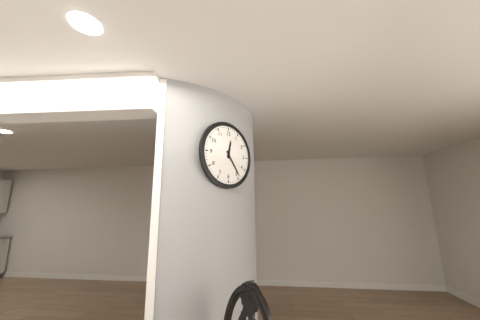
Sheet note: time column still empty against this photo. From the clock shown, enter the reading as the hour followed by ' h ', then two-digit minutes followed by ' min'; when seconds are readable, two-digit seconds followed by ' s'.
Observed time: 12 h 24 min
